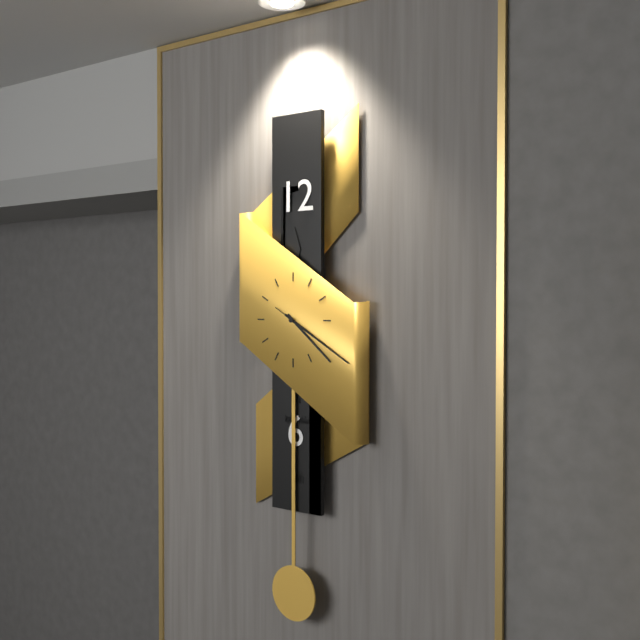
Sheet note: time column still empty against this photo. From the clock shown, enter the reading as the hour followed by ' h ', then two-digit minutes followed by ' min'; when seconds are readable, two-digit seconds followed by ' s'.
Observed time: 4 h 20 min 20 s
